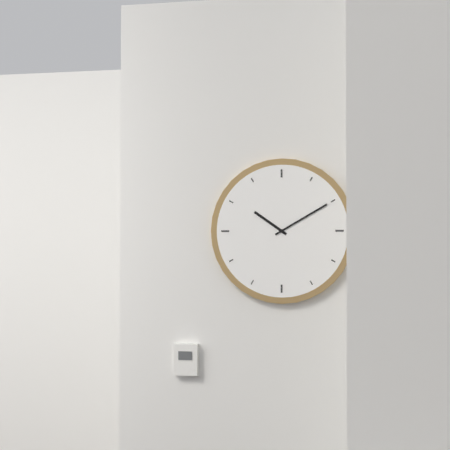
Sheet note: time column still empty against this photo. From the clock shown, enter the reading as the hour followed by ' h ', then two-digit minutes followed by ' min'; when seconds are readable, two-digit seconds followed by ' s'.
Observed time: 10 h 10 min
